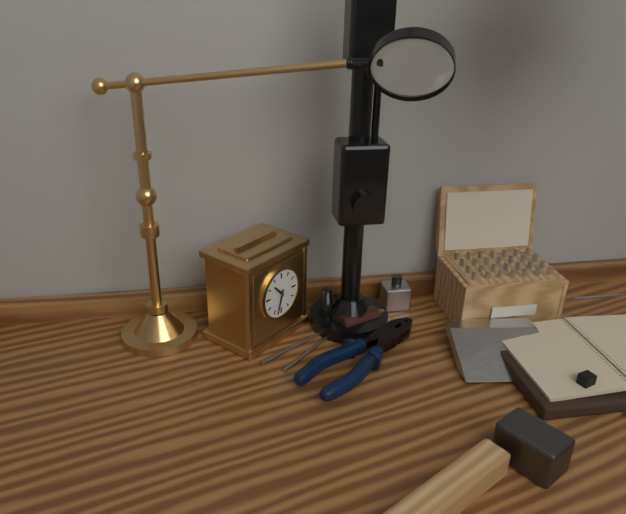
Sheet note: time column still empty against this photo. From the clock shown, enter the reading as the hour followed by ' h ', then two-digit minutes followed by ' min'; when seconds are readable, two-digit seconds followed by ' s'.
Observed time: 10 h 33 min
